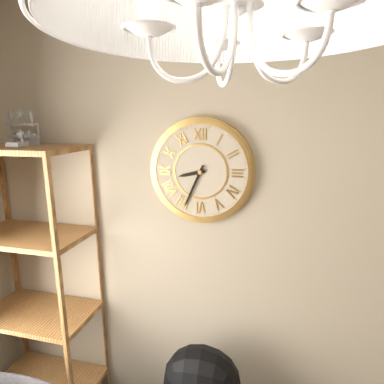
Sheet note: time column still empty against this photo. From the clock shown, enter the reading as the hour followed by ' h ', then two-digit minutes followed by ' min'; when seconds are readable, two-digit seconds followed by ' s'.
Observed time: 8 h 34 min
